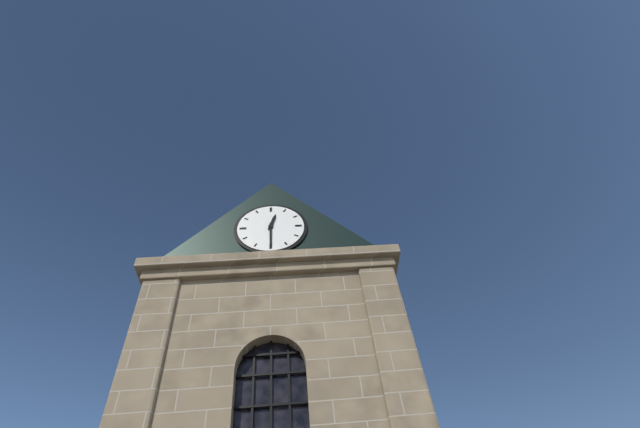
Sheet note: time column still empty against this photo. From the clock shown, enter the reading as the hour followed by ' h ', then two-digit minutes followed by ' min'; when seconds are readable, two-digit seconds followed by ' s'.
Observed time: 12 h 30 min
